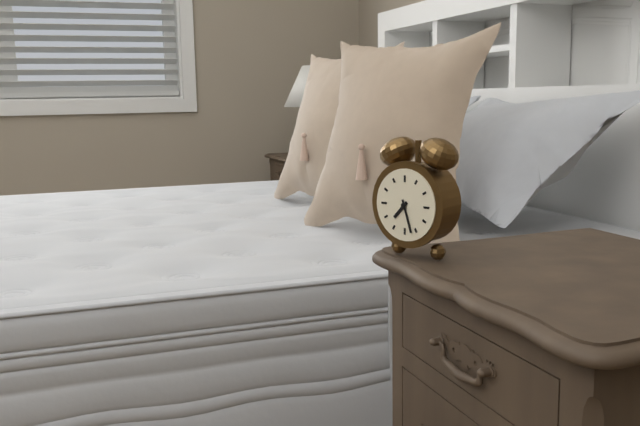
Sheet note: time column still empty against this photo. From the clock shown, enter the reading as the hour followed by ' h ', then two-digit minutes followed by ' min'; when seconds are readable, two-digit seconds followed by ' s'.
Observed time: 7 h 27 min
